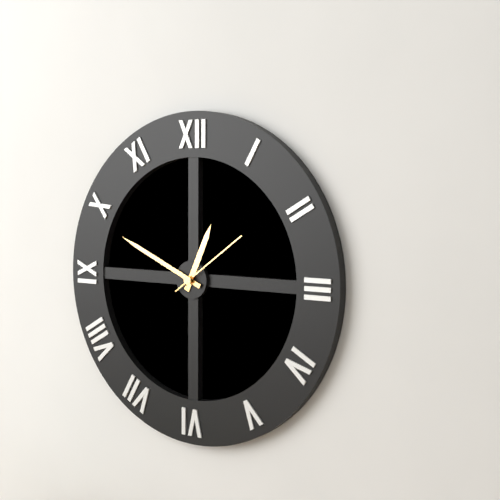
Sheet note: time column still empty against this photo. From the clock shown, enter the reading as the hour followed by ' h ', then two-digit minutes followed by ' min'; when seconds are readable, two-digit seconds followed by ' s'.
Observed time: 12 h 49 min 09 s
